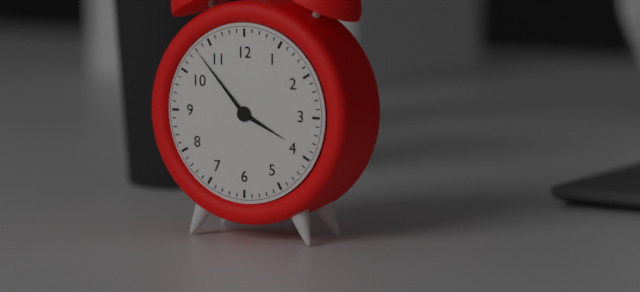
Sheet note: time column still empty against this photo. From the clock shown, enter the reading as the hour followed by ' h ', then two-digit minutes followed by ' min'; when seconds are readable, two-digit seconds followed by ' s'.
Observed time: 3 h 53 min
